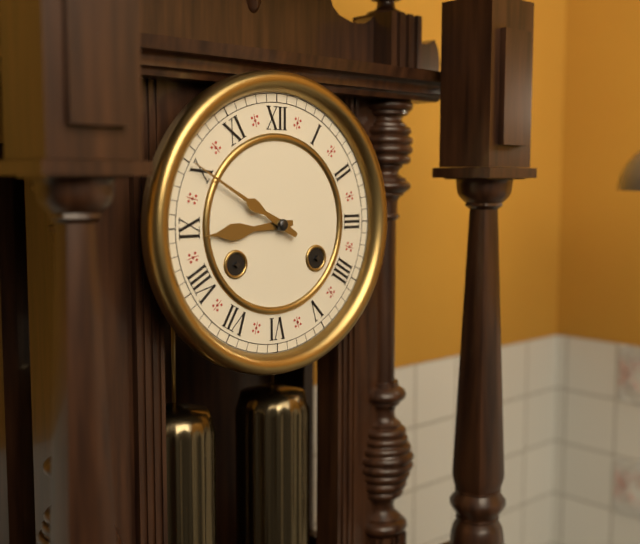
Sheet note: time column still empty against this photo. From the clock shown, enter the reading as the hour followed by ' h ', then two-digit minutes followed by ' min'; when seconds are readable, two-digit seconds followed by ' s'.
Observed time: 8 h 50 min
